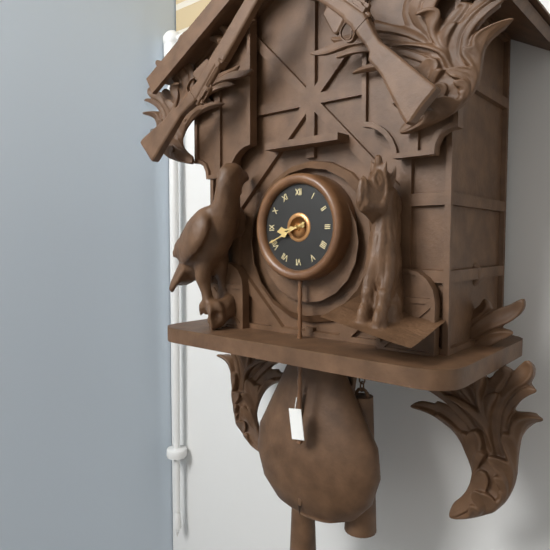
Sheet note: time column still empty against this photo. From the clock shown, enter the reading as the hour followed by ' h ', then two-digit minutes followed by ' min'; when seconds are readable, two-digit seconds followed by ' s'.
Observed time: 8 h 41 min
